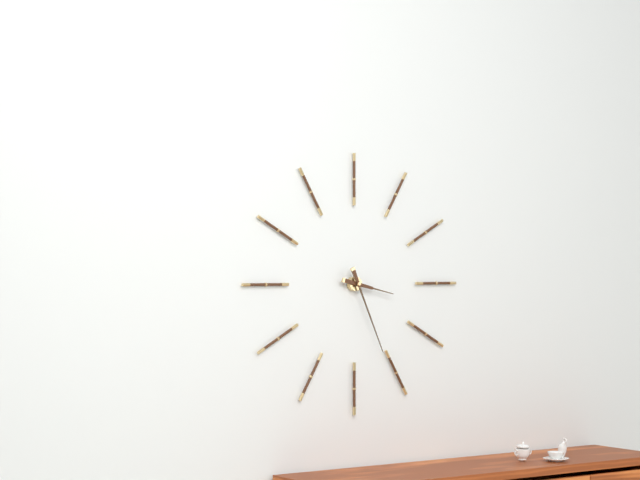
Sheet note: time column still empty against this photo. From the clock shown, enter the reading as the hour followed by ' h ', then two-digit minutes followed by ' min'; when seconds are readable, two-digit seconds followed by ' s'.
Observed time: 3 h 26 min
